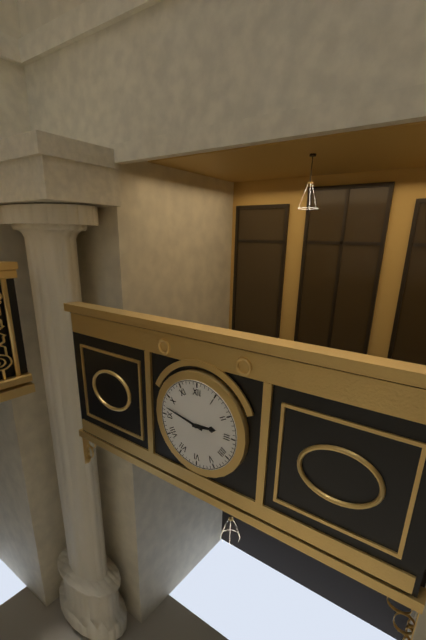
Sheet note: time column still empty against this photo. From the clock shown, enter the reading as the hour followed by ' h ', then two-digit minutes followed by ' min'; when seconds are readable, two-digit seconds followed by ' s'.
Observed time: 2 h 47 min
